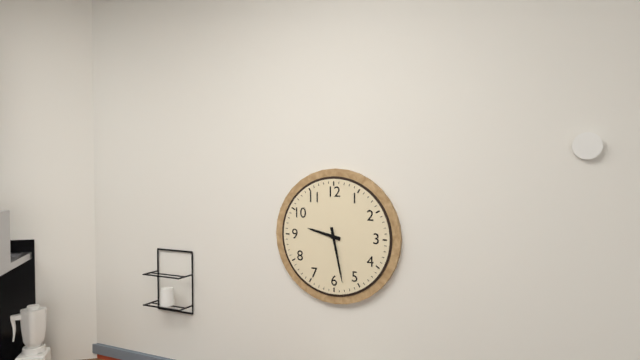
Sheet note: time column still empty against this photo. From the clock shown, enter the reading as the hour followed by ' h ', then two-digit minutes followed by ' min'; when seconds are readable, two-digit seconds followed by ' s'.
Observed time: 9 h 28 min
